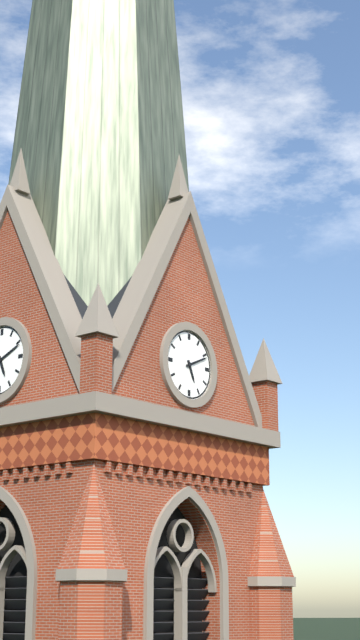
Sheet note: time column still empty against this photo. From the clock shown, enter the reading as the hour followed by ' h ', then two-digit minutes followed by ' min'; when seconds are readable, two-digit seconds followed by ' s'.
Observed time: 5 h 11 min
